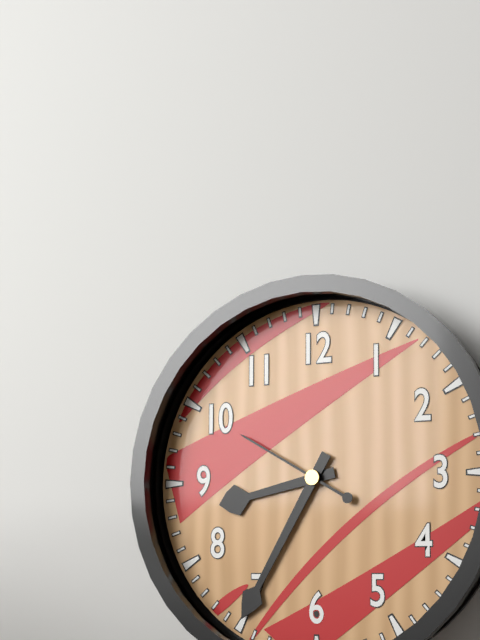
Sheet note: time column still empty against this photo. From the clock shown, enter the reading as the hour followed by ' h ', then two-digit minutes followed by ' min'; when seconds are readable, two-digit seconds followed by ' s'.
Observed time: 8 h 35 min 50 s
